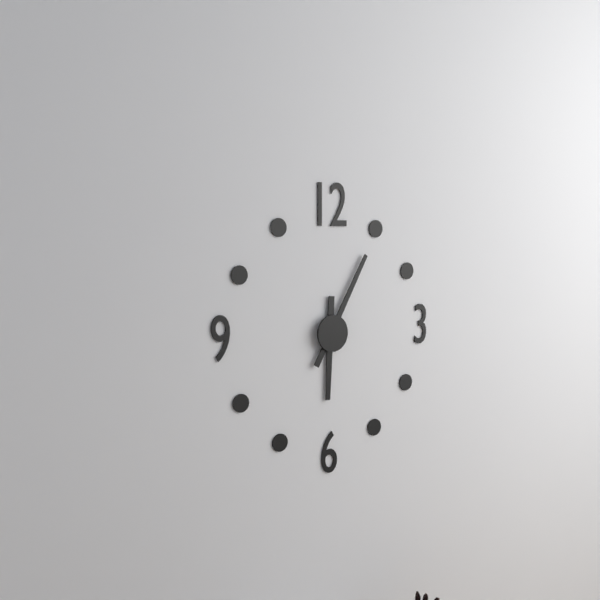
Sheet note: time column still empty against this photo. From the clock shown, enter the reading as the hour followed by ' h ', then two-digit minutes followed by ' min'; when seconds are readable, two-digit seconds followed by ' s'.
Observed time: 6 h 05 min
